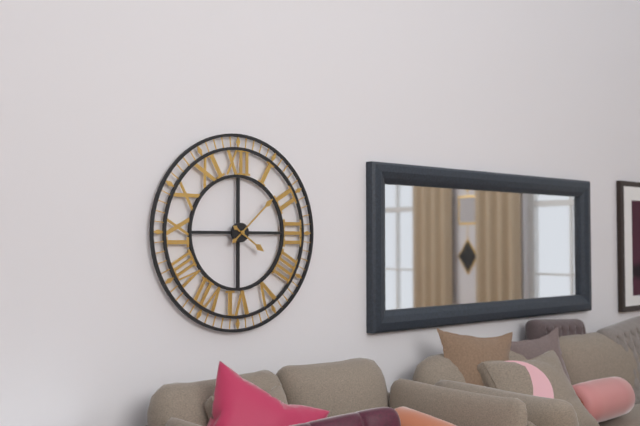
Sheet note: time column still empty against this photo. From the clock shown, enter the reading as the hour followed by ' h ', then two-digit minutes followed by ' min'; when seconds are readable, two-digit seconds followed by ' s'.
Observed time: 4 h 08 min
